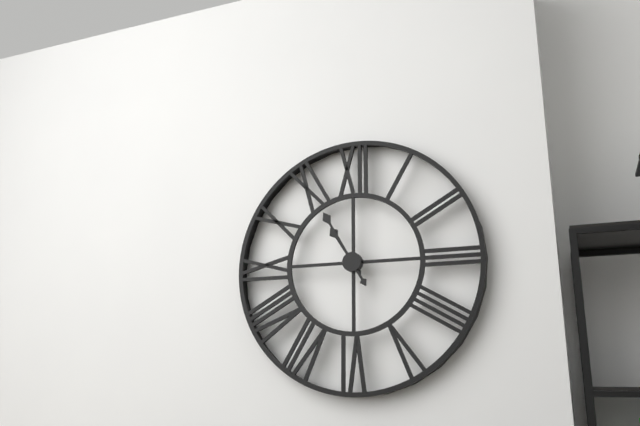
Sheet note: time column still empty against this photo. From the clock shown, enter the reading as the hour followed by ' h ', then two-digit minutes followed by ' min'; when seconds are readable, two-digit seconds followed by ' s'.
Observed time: 10 h 55 min
